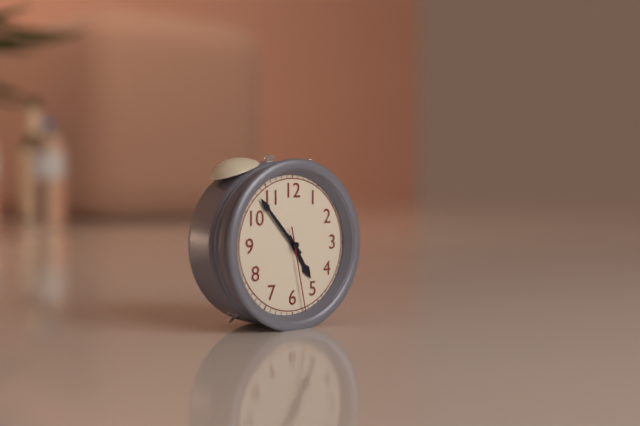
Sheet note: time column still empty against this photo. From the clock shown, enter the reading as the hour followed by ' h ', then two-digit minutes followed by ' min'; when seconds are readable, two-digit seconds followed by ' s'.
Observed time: 4 h 53 min 28 s
